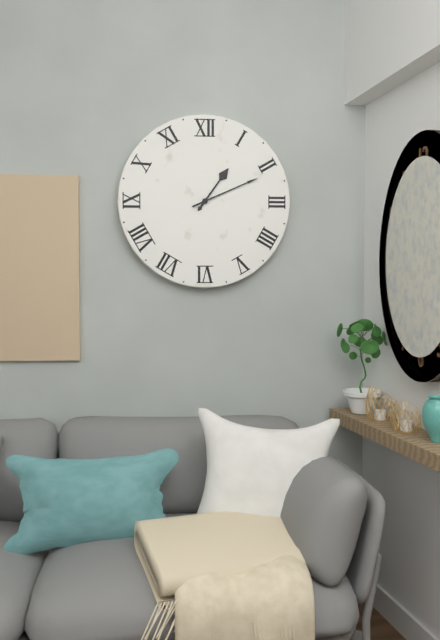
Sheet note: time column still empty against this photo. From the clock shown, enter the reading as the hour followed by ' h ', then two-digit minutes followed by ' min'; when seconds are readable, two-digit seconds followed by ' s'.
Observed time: 1 h 11 min
